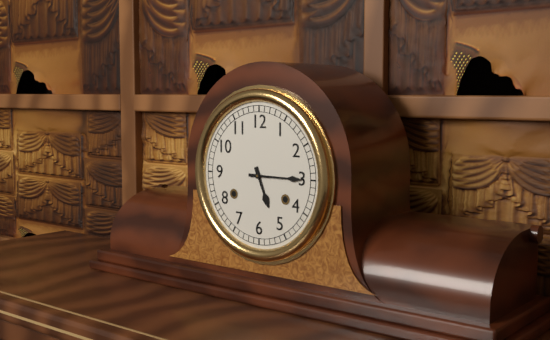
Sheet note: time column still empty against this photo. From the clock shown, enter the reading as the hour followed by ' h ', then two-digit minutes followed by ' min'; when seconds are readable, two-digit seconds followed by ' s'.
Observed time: 5 h 15 min
